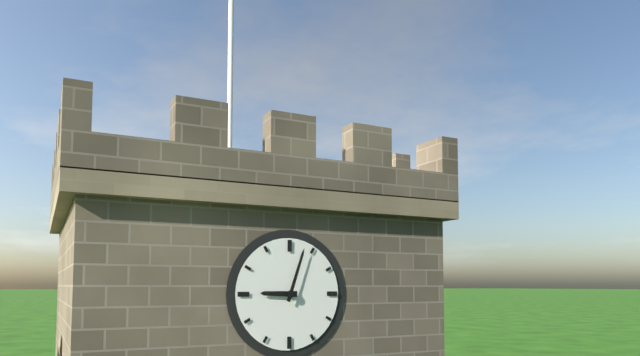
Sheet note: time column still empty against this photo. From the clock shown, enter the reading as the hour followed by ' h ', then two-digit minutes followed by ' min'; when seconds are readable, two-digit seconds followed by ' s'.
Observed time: 9 h 03 min
